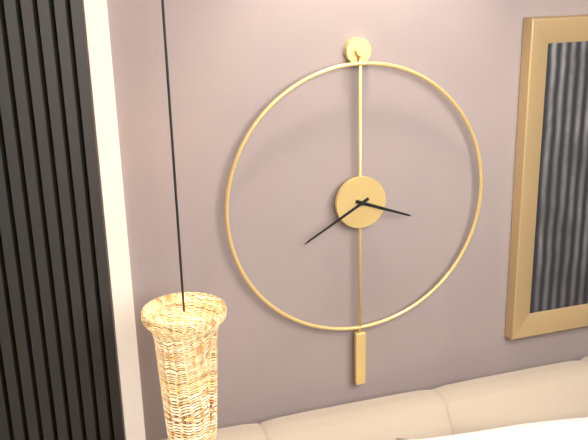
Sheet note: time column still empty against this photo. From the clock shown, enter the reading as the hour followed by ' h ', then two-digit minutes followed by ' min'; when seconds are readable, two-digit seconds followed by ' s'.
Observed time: 3 h 40 min
